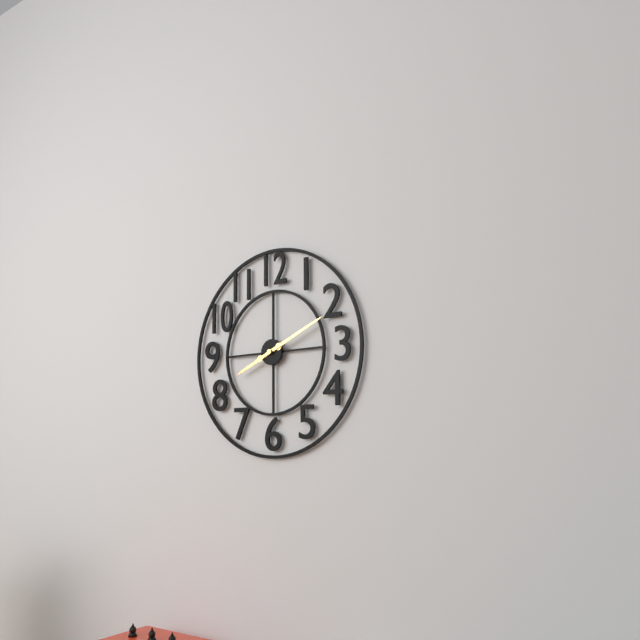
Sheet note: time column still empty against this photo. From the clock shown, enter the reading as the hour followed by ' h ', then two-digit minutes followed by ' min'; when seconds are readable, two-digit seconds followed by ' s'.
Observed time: 8 h 11 min
